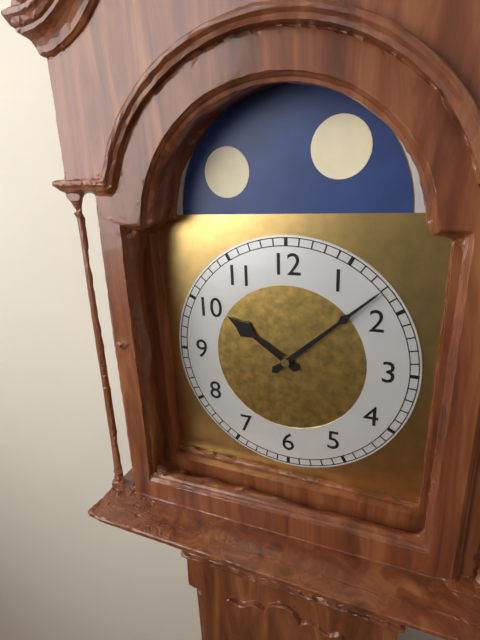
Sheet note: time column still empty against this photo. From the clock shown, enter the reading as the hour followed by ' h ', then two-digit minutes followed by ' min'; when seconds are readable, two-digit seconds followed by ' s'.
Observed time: 10 h 08 min
